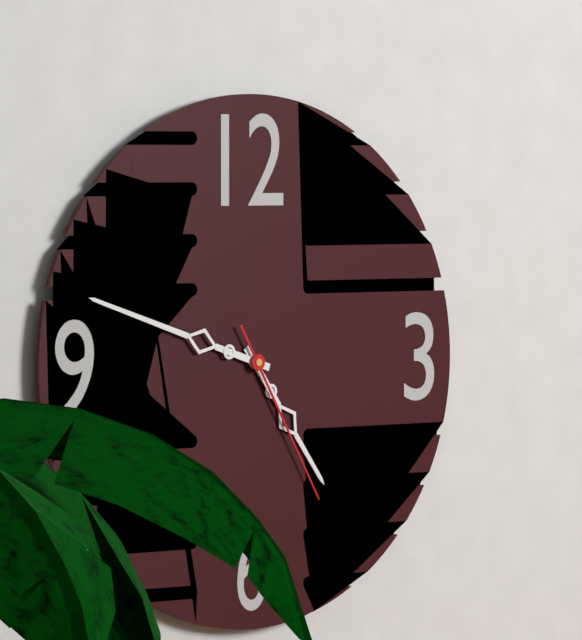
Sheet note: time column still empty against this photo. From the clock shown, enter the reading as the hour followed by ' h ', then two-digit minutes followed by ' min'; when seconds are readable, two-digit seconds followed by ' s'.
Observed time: 4 h 48 min 25 s
